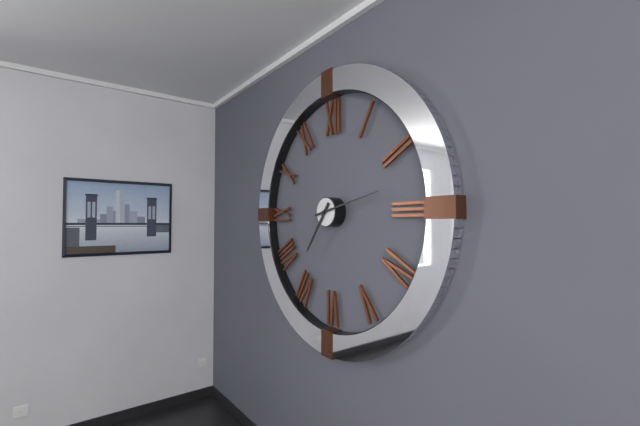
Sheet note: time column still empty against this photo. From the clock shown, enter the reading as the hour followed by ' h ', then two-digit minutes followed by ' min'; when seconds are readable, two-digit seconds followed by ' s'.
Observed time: 7 h 13 min
